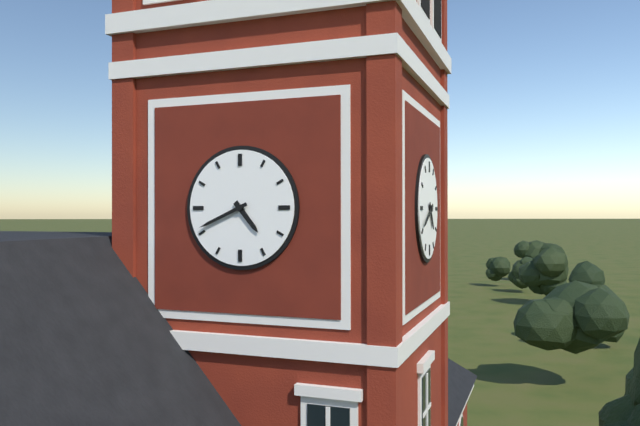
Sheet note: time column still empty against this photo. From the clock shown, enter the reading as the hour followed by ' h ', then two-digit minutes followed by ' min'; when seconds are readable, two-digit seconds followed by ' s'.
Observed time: 4 h 41 min
